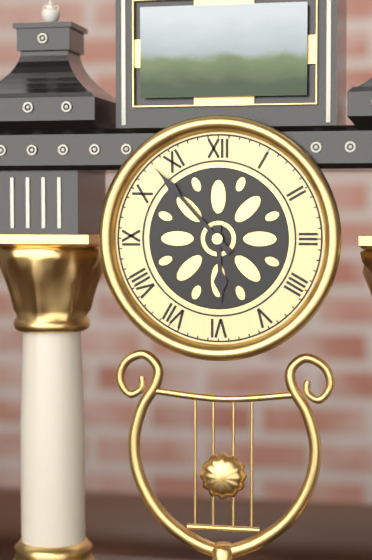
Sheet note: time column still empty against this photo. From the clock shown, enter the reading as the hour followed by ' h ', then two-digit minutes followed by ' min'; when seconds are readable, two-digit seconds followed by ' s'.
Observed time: 5 h 53 min
